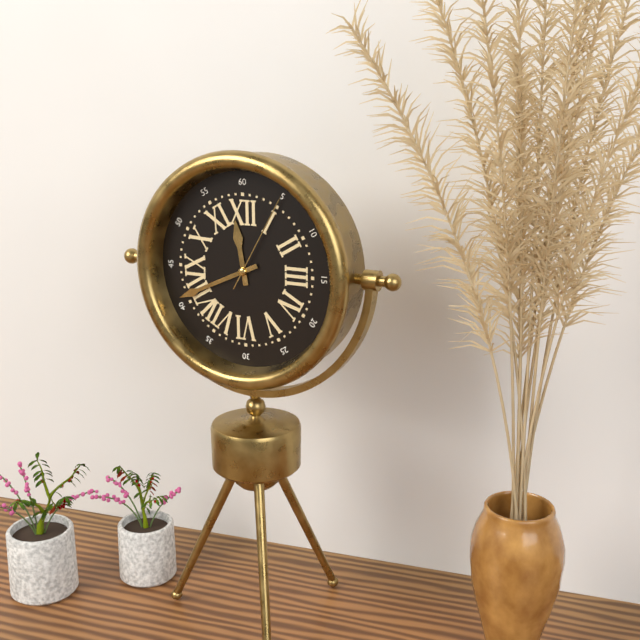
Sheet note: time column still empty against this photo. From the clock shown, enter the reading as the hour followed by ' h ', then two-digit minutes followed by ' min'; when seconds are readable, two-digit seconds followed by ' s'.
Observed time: 11 h 41 min 05 s
